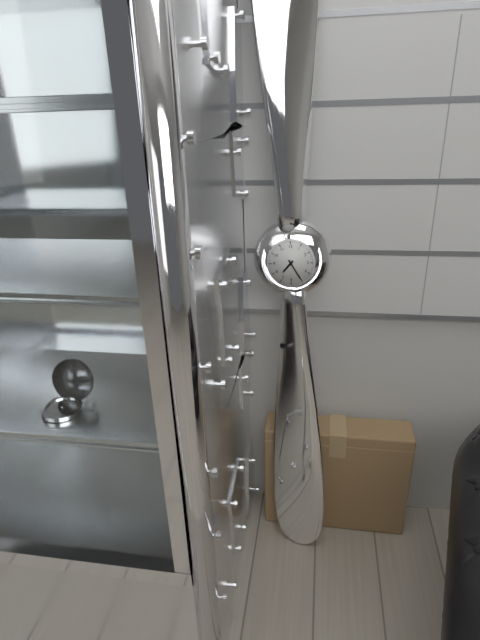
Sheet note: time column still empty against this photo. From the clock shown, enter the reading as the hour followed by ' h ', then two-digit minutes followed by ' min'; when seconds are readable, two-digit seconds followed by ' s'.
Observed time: 7 h 25 min
